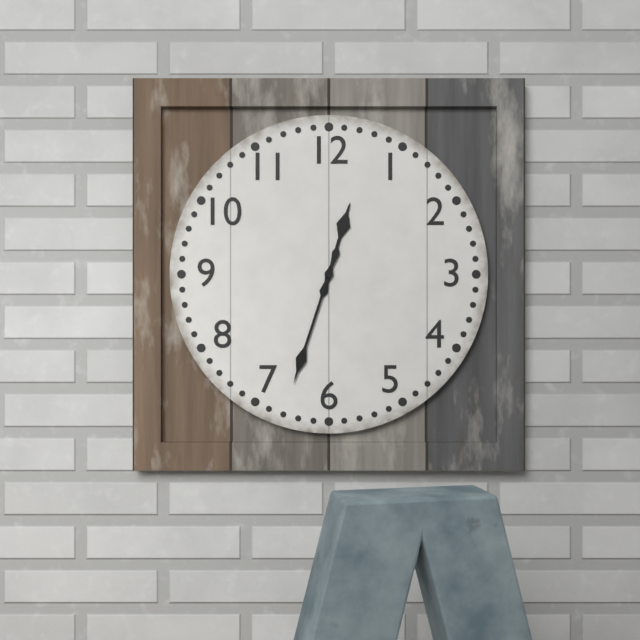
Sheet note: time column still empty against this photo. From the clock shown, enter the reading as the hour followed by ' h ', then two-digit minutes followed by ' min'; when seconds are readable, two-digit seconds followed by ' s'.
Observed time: 12 h 33 min
